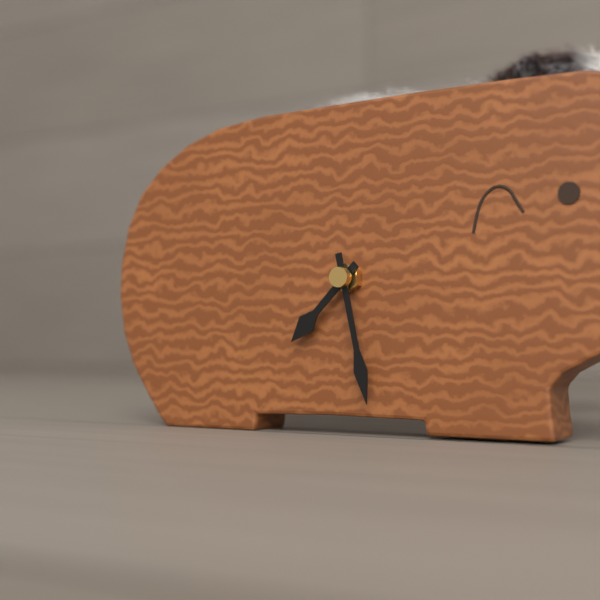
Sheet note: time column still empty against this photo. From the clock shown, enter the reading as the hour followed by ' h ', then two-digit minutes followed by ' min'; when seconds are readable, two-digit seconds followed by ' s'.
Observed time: 7 h 28 min
